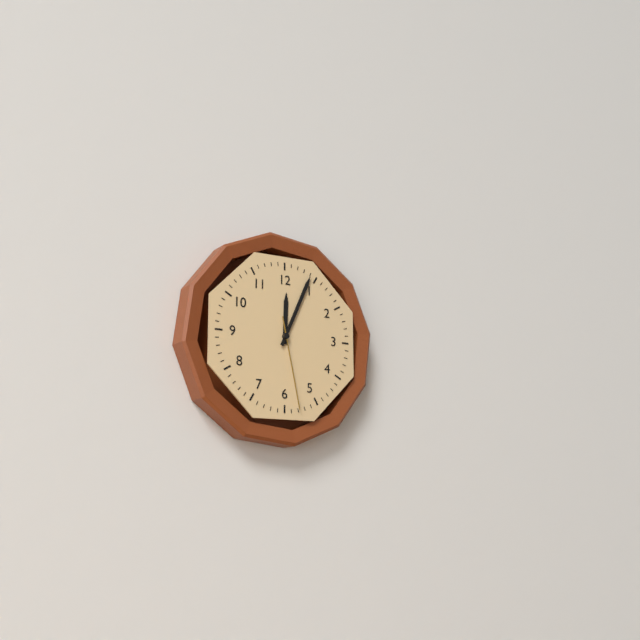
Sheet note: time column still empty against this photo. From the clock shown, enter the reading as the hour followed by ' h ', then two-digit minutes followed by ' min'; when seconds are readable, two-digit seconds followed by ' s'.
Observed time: 12 h 04 min 28 s
